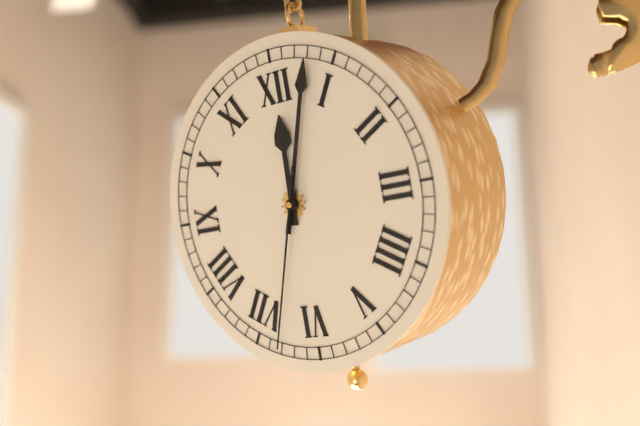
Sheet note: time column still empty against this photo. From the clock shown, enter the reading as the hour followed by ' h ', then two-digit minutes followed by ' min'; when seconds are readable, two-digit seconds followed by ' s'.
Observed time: 12 h 03 min 33 s
